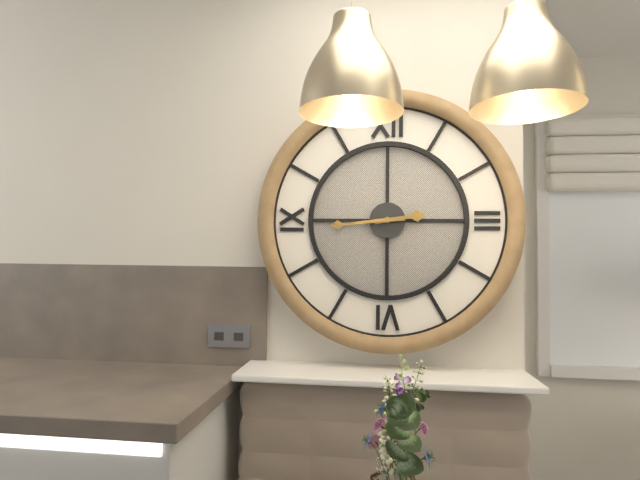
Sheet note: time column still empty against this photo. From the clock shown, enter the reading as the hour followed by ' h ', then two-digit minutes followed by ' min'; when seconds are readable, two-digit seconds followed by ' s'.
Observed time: 2 h 44 min
